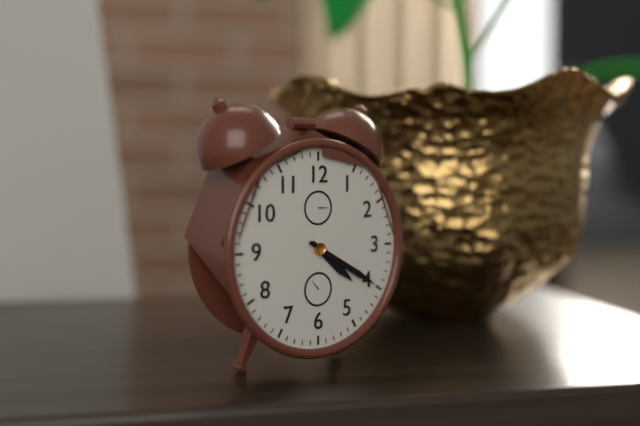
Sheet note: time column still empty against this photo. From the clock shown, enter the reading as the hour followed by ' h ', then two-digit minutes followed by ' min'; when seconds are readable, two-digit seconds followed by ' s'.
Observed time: 4 h 20 min
